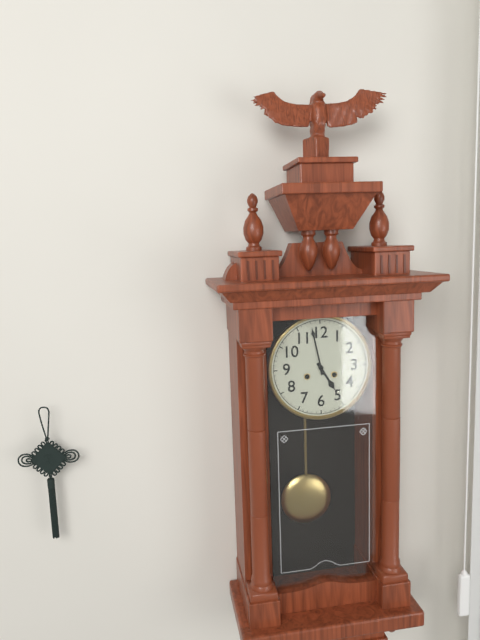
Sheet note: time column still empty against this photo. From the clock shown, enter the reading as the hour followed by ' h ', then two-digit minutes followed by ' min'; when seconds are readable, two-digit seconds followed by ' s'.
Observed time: 4 h 58 min
